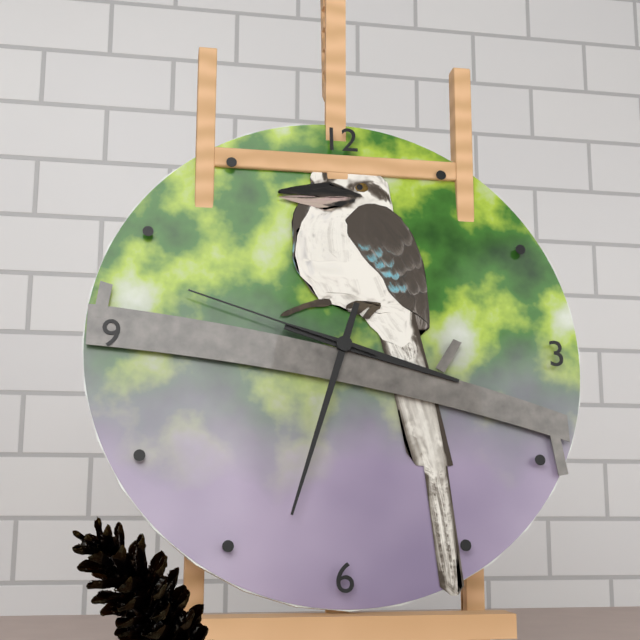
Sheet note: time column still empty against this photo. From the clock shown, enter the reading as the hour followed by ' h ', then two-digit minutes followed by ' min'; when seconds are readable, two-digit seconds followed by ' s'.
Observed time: 3 h 33 min 48 s
